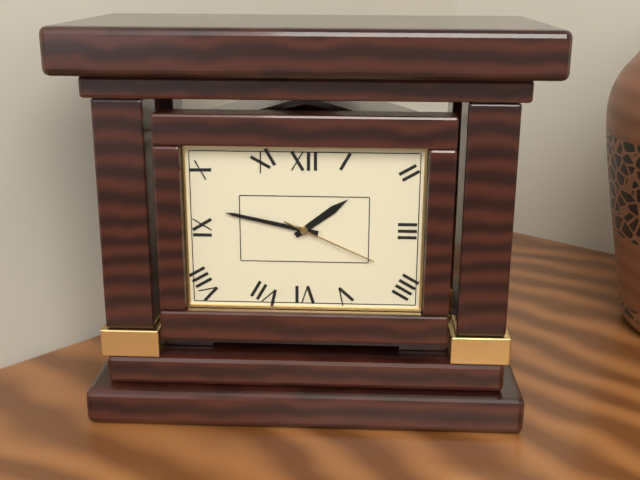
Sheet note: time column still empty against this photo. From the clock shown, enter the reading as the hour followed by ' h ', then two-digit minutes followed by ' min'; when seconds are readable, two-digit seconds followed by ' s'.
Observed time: 1 h 47 min 19 s
